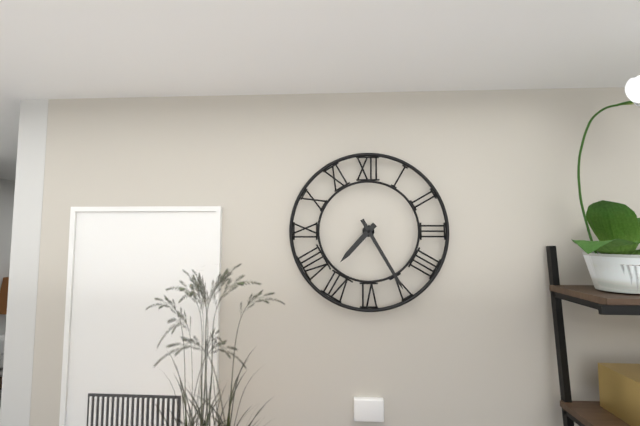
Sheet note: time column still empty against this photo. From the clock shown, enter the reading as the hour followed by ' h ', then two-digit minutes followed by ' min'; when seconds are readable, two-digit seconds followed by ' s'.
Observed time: 7 h 25 min
